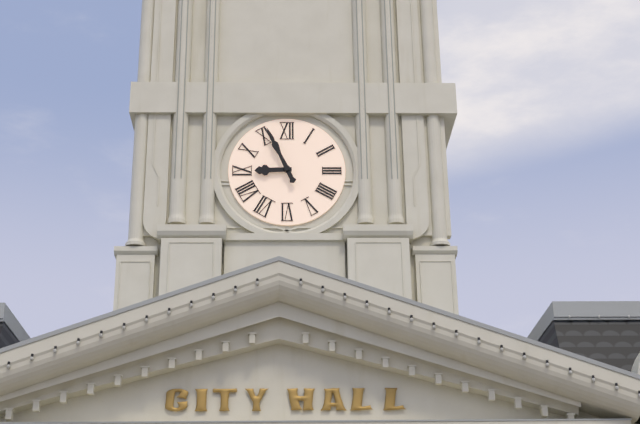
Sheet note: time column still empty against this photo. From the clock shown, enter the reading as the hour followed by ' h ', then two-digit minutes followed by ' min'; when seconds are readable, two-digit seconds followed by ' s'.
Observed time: 8 h 56 min
